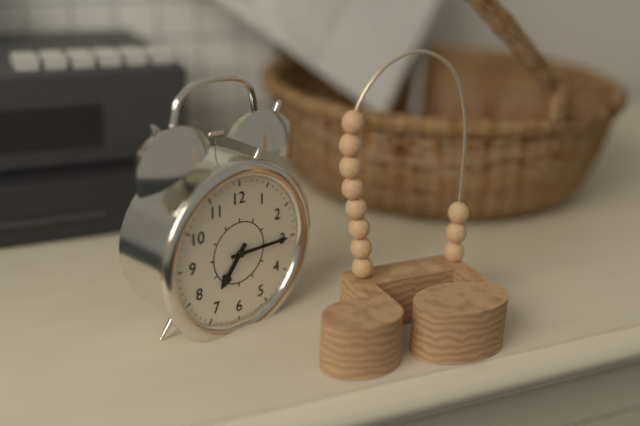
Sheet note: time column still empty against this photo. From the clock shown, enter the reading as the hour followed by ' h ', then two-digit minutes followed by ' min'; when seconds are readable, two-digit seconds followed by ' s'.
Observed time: 7 h 15 min
